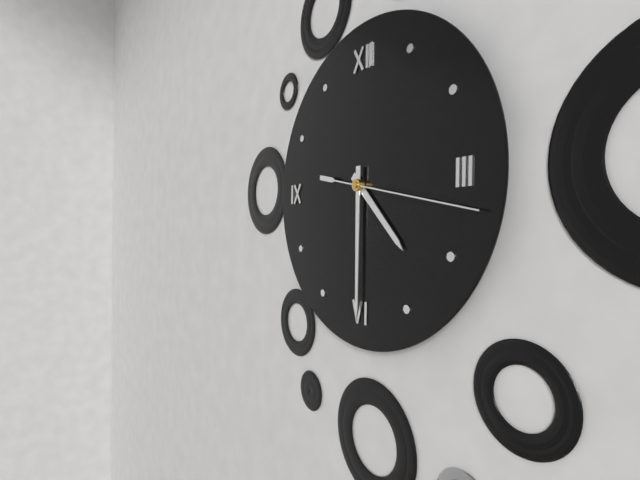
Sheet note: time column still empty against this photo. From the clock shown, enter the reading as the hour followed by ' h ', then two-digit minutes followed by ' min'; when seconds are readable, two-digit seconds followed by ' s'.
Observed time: 4 h 30 min 17 s
